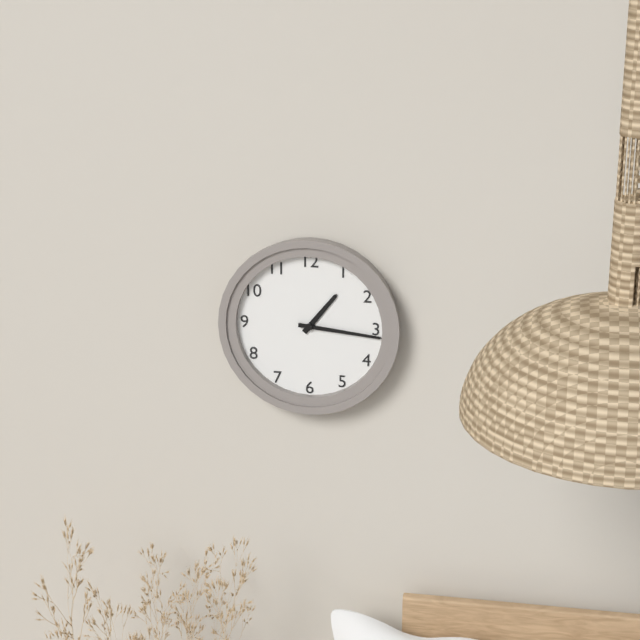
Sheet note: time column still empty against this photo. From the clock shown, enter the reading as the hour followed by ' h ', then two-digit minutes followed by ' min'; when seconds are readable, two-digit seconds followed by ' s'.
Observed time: 1 h 16 min
